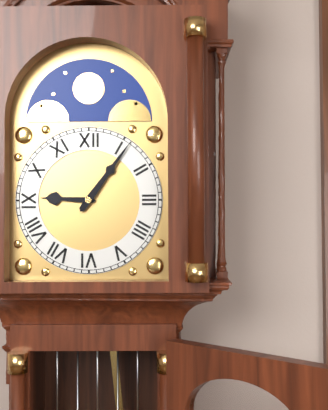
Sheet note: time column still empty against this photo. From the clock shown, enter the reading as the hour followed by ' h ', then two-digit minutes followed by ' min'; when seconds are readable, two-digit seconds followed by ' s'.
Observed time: 9 h 06 min
